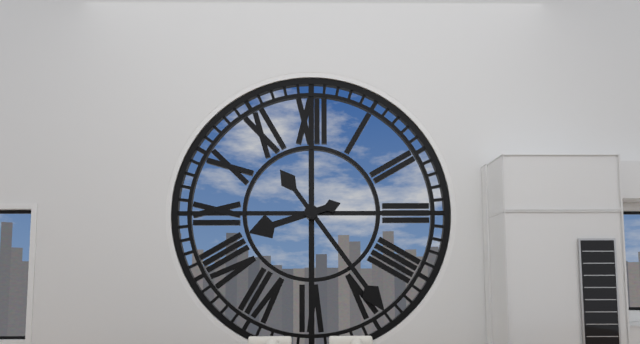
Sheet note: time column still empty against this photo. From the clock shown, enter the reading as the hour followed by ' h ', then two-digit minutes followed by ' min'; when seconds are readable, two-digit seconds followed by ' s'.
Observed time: 8 h 24 min
